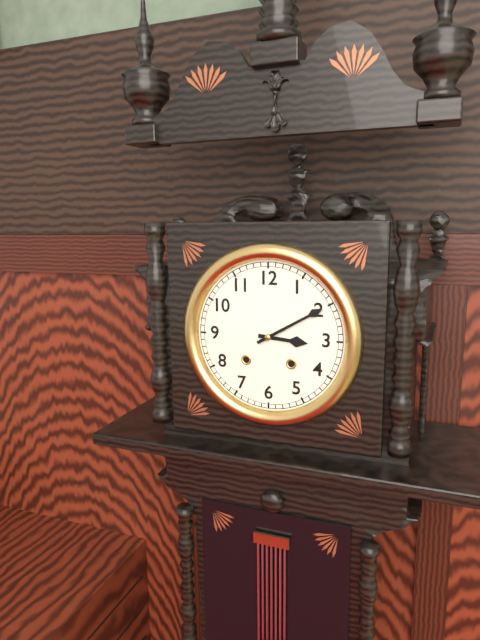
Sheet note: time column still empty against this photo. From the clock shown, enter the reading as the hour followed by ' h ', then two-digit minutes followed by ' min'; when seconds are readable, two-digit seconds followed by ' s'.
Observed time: 3 h 10 min
